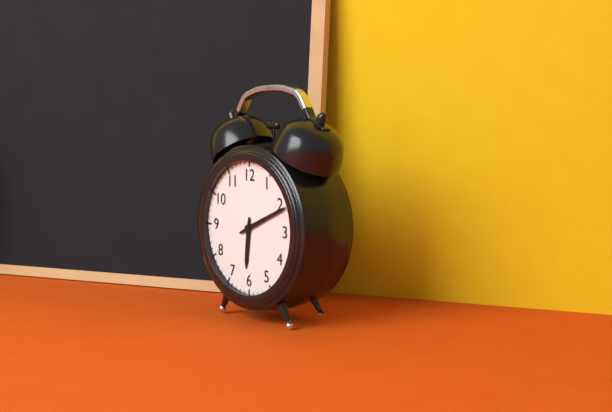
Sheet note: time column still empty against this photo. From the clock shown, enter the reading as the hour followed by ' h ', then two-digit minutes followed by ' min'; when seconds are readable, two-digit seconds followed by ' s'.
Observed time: 6 h 11 min
